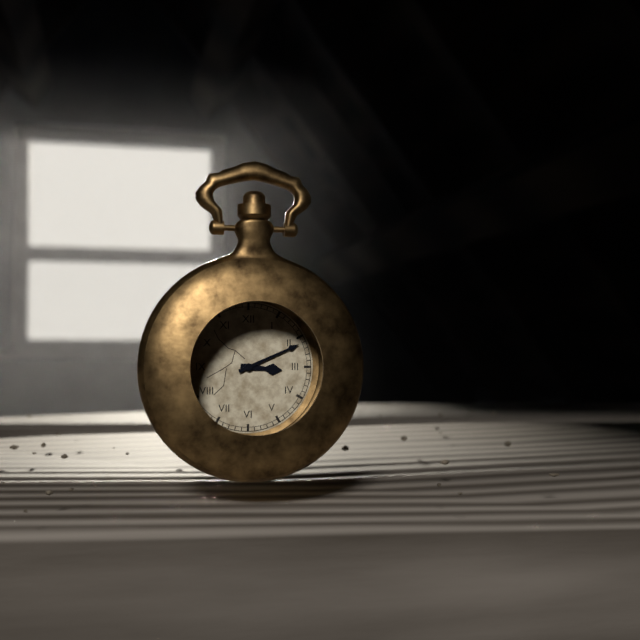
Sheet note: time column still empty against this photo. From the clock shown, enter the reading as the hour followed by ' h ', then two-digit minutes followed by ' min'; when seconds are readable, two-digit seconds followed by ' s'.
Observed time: 3 h 11 min
